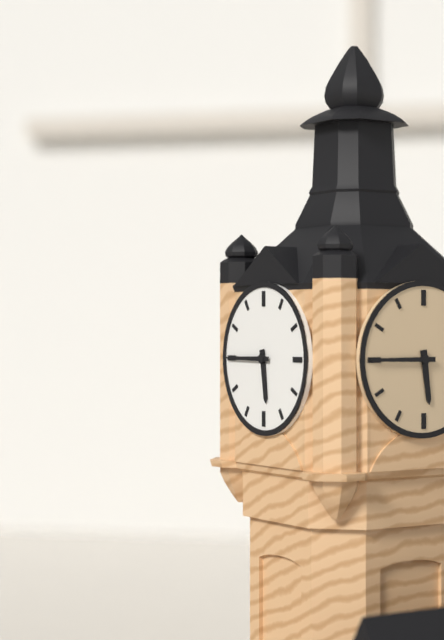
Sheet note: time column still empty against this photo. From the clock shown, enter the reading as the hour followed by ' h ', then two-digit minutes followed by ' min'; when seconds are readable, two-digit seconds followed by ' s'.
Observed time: 5 h 45 min
